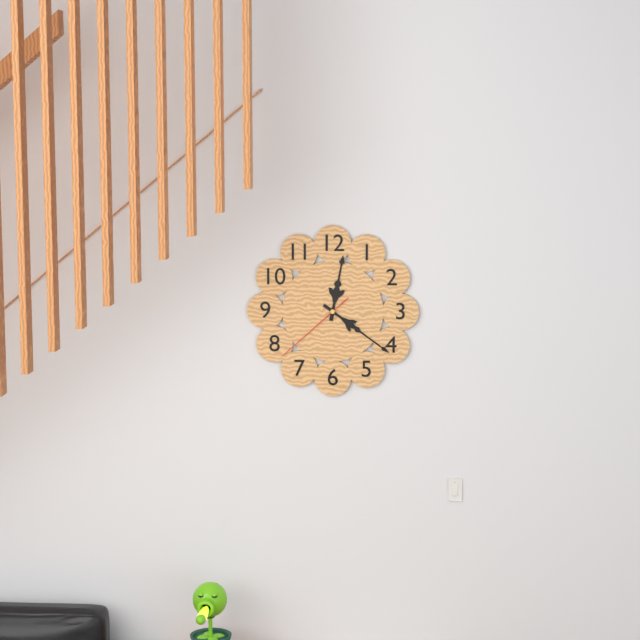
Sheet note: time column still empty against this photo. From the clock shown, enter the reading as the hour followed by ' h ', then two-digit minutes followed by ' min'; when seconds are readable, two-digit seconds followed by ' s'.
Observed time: 12 h 21 min 38 s
